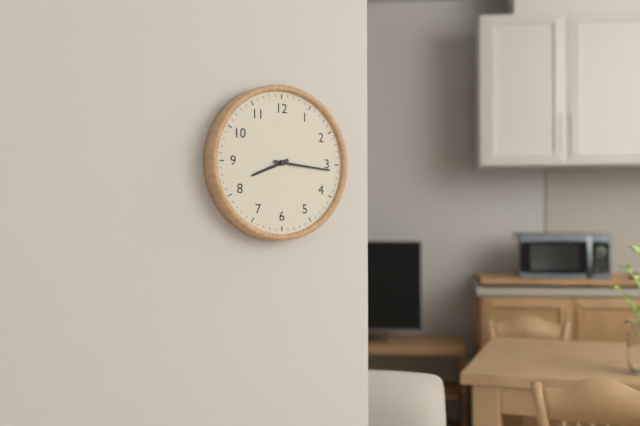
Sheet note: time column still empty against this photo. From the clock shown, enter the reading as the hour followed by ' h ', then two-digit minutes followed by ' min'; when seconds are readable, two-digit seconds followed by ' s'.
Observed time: 8 h 16 min
